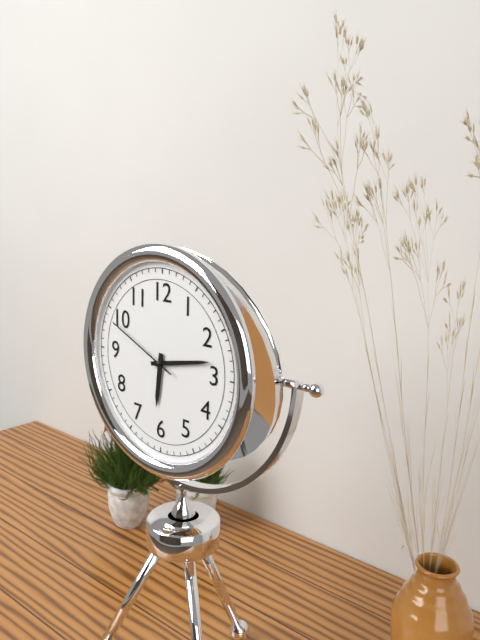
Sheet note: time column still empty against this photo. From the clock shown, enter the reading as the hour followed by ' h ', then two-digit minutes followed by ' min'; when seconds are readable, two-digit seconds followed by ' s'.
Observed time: 6 h 13 min 49 s
